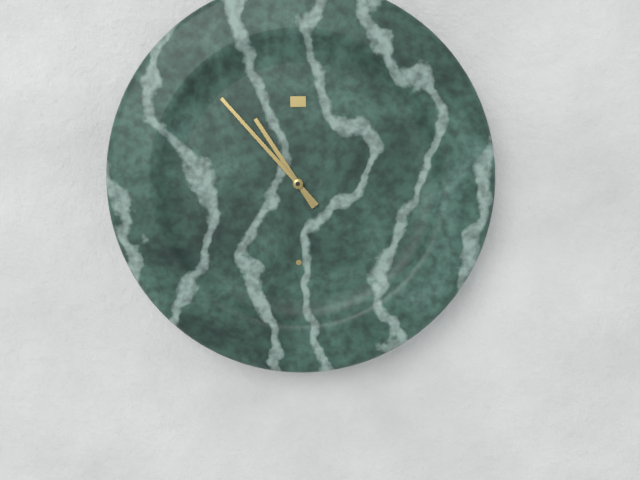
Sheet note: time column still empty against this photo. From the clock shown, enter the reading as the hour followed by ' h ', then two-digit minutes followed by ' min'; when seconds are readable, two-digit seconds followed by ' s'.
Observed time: 10 h 53 min
